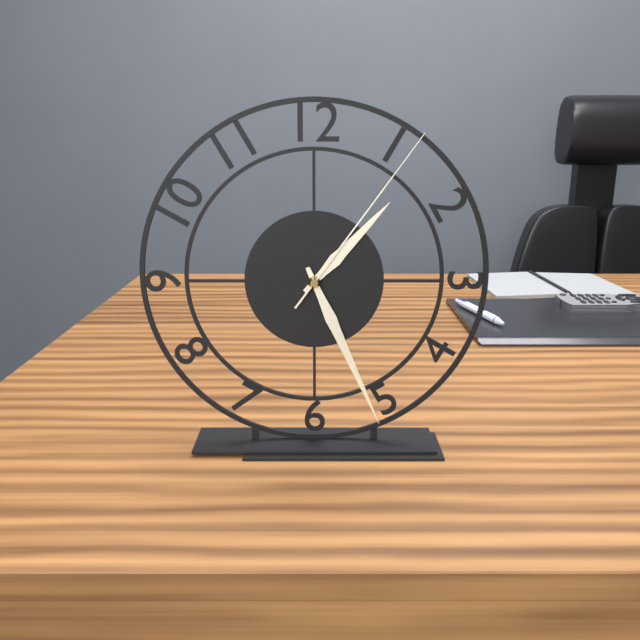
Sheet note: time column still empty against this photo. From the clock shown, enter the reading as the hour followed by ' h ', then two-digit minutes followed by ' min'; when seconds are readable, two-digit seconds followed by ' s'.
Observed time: 1 h 26 min 06 s
